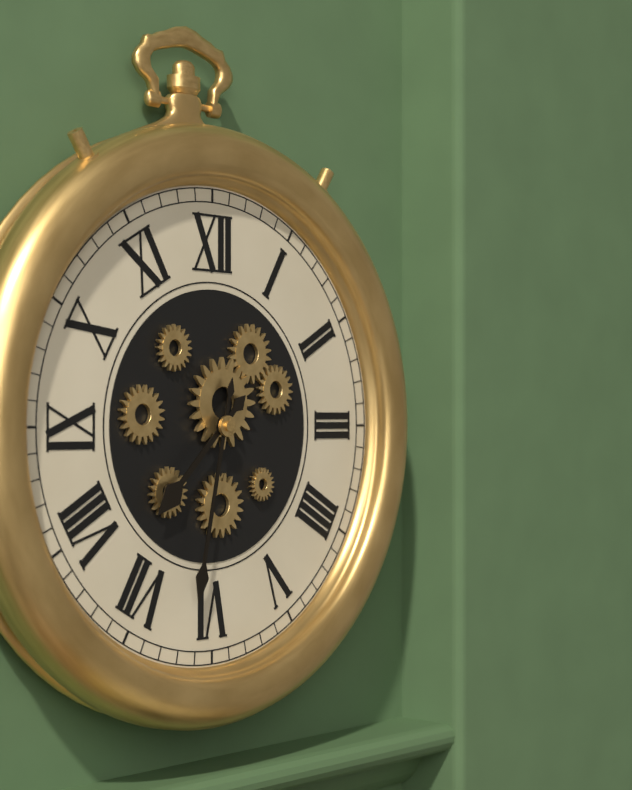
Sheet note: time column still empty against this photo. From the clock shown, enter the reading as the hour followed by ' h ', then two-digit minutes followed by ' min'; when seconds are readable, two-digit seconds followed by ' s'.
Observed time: 7 h 32 min
